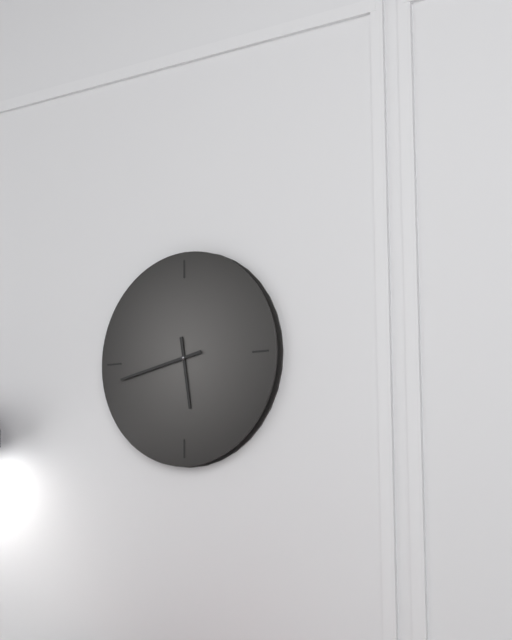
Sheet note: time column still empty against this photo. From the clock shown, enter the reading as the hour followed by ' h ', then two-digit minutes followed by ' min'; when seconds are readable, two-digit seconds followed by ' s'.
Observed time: 5 h 43 min
